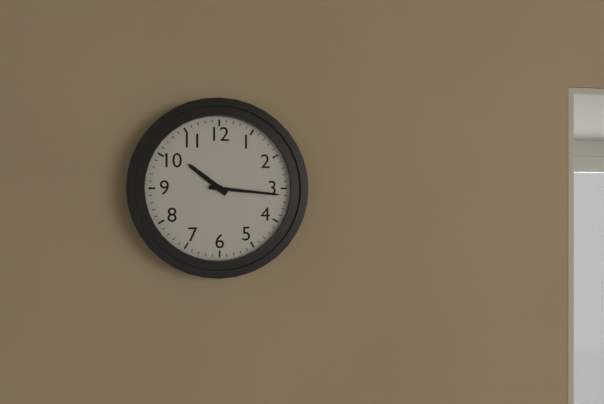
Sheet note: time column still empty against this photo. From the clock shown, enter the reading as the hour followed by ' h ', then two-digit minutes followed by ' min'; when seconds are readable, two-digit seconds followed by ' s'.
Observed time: 10 h 16 min
